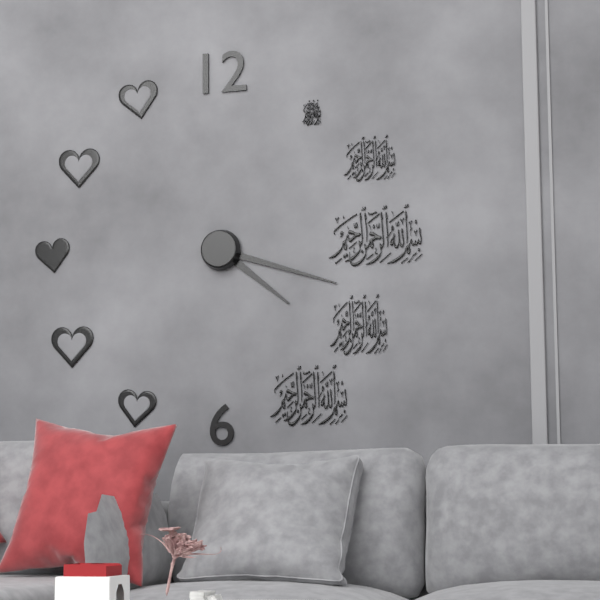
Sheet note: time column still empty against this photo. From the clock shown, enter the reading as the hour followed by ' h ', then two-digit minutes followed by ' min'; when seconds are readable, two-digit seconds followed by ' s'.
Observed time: 4 h 18 min
